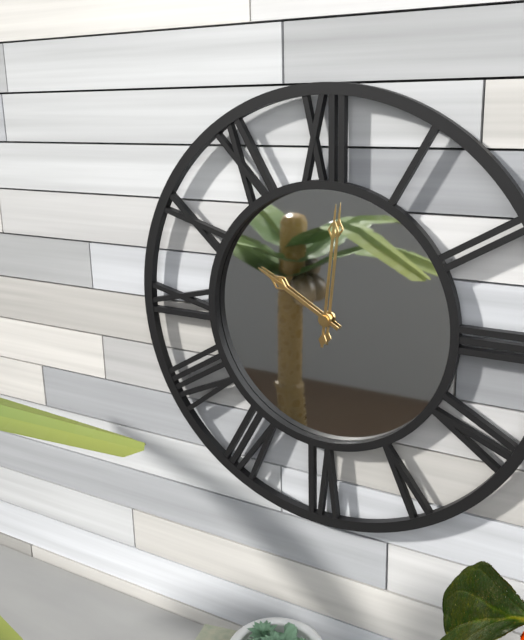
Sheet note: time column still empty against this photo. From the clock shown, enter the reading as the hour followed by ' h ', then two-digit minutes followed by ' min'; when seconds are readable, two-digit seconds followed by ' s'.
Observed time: 10 h 01 min
